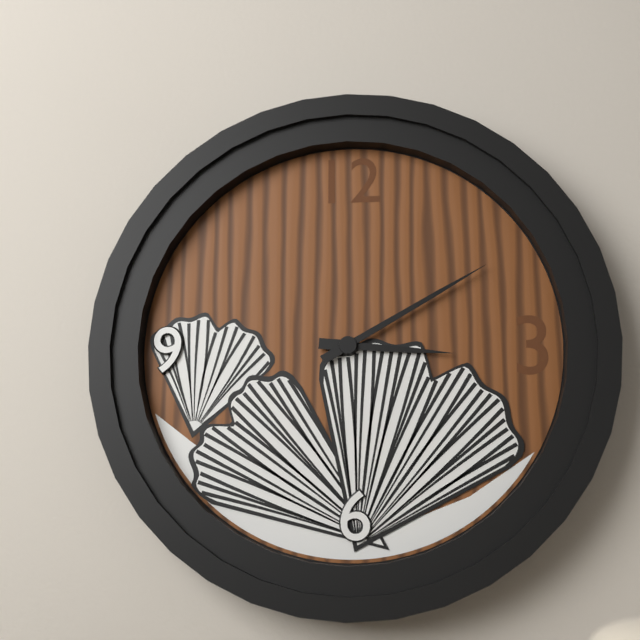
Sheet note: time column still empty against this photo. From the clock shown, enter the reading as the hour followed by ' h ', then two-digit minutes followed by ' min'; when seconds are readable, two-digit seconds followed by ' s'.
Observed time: 3 h 10 min
